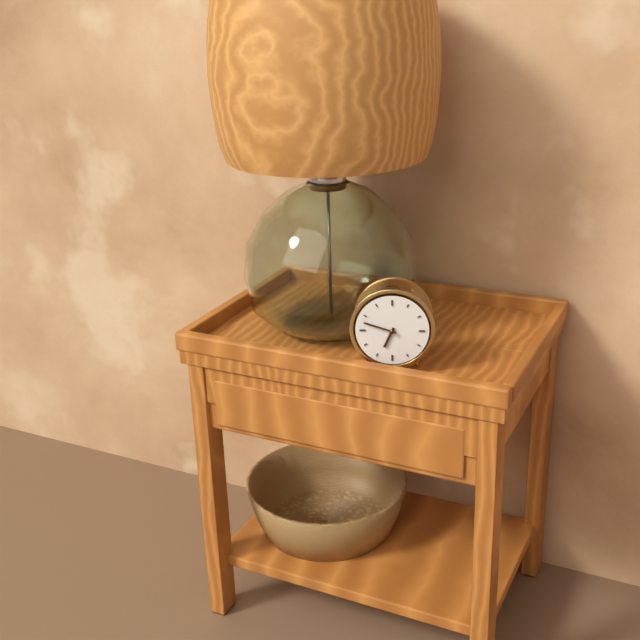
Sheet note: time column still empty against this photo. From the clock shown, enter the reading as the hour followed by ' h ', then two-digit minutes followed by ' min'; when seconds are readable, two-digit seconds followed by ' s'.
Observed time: 6 h 48 min
